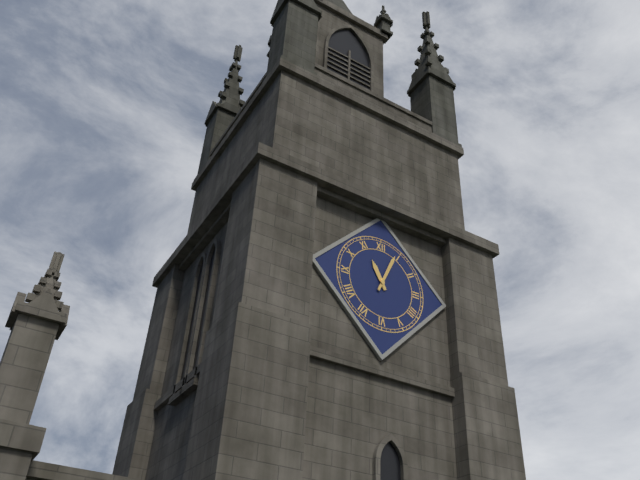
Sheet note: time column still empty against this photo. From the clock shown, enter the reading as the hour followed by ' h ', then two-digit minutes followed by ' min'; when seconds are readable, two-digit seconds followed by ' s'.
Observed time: 11 h 04 min
